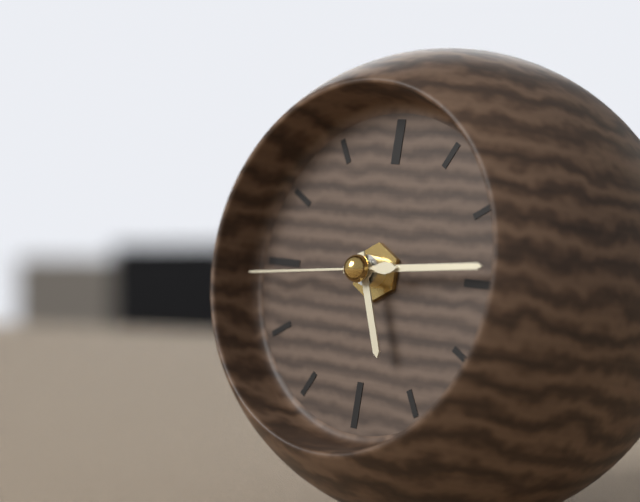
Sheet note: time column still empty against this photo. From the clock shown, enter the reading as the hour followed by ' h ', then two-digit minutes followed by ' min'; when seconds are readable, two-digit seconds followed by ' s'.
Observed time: 5 h 14 min 44 s
